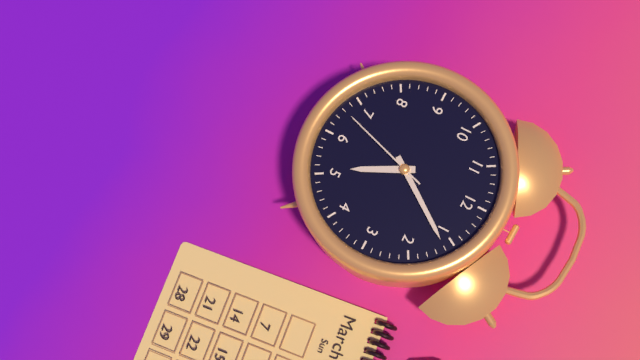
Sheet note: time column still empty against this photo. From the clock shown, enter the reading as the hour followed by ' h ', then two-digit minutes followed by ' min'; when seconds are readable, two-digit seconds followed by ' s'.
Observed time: 5 h 06 min 33 s
